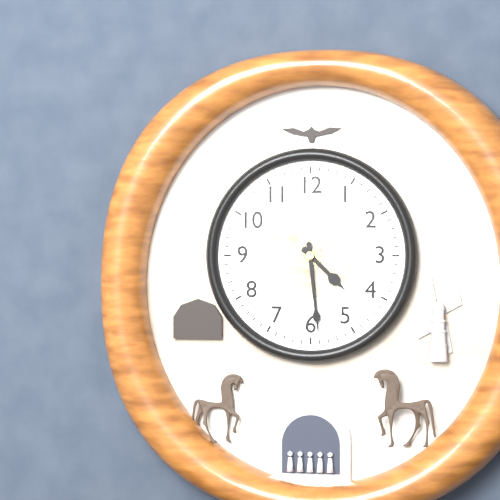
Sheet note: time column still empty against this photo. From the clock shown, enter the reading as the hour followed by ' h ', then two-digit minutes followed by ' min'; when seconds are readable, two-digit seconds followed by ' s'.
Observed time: 4 h 29 min
